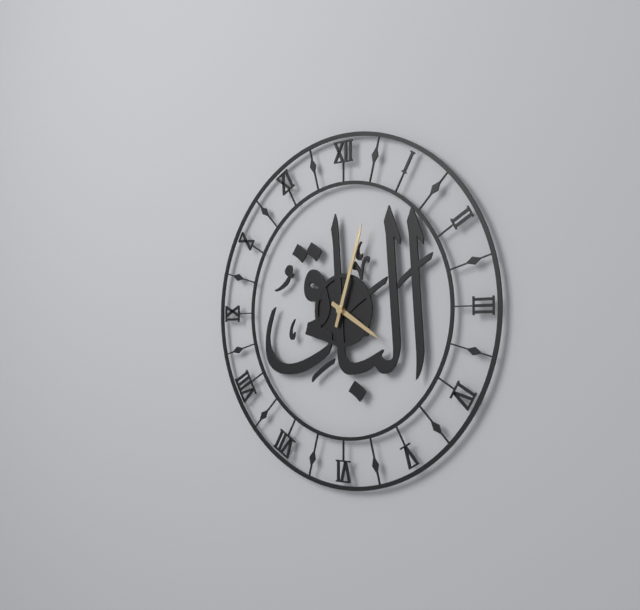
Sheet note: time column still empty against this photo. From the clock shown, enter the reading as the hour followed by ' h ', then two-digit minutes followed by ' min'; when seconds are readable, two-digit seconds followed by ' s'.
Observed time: 4 h 03 min
